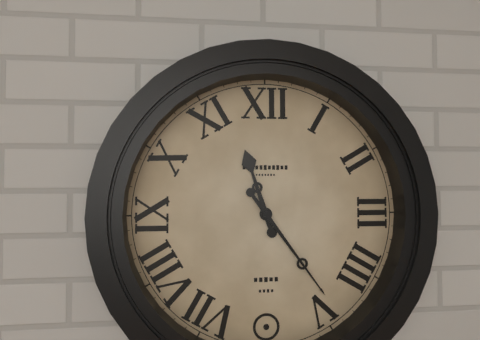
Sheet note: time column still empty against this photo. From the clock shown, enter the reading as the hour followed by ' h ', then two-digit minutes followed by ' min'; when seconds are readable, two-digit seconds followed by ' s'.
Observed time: 11 h 24 min
